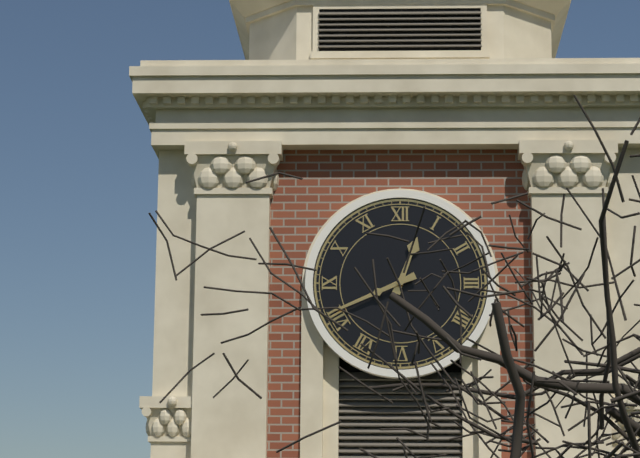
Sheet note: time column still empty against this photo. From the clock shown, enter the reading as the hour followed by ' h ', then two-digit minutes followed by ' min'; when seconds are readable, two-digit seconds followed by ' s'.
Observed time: 12 h 41 min
